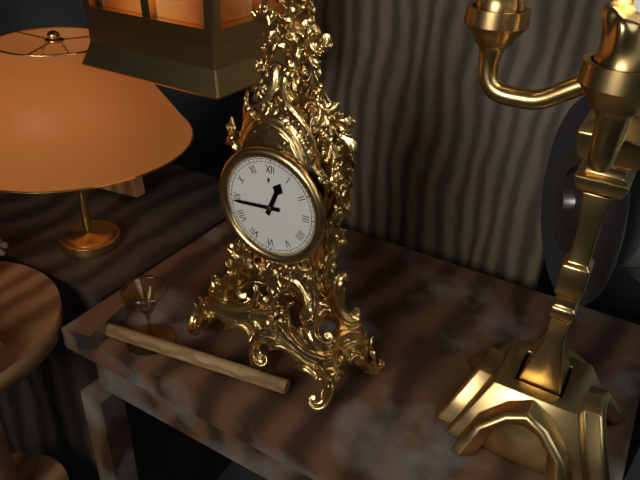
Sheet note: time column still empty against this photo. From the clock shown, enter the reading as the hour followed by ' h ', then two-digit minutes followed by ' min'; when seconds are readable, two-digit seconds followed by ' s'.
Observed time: 12 h 44 min
